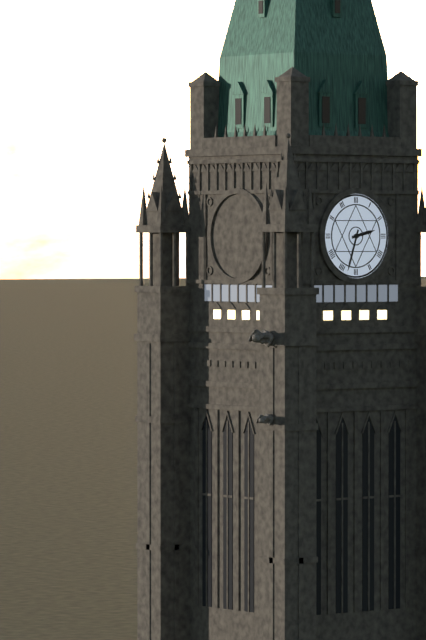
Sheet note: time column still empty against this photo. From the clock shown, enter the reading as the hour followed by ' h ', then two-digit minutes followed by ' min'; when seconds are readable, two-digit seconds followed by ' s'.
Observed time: 2 h 33 min
